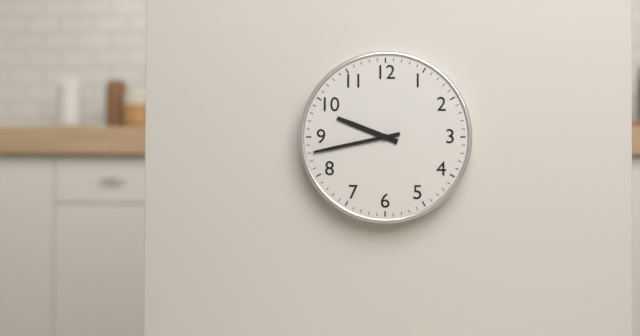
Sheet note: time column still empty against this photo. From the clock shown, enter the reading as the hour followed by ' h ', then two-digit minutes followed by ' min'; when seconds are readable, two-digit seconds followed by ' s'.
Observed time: 9 h 43 min
